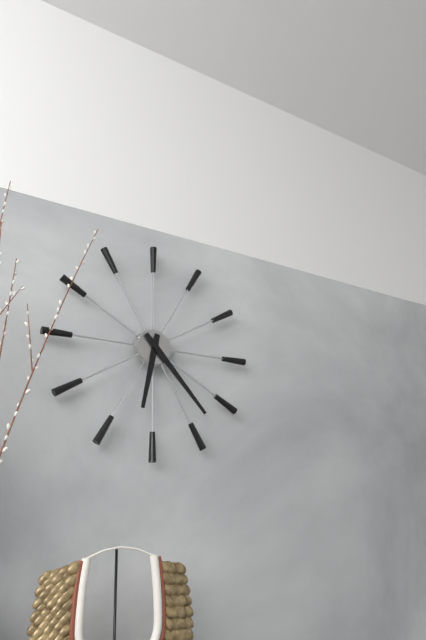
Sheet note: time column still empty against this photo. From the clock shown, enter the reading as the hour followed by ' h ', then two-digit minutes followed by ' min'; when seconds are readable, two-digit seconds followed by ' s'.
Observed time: 6 h 23 min
